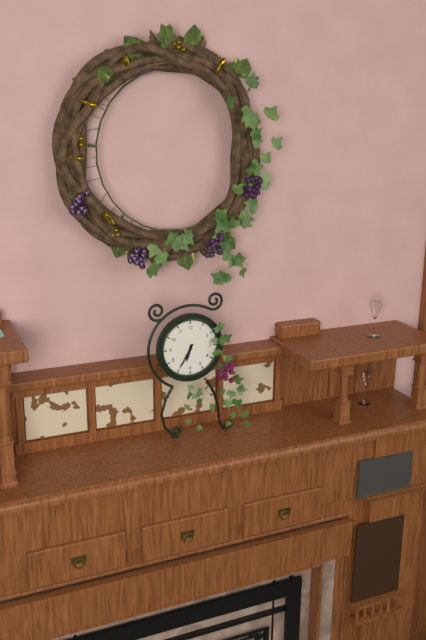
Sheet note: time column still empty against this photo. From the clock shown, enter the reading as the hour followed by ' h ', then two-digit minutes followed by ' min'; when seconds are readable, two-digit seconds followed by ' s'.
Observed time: 6 h 35 min
